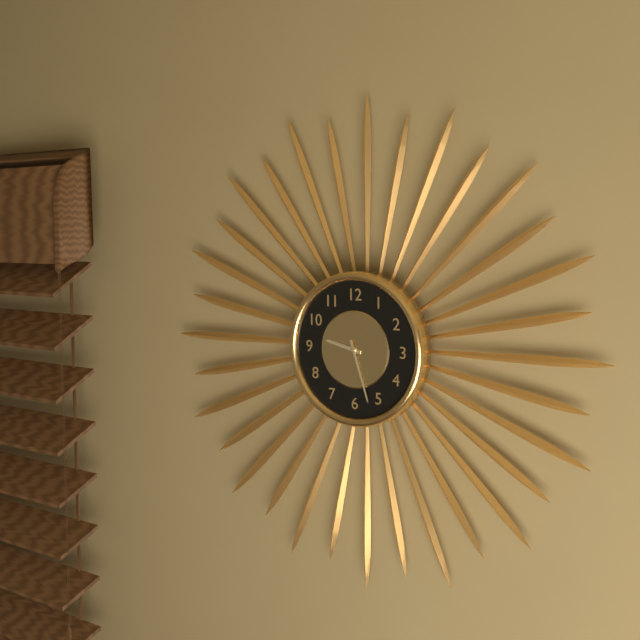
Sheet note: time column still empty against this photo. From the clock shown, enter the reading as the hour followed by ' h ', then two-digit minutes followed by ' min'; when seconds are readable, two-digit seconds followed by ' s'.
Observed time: 9 h 27 min
